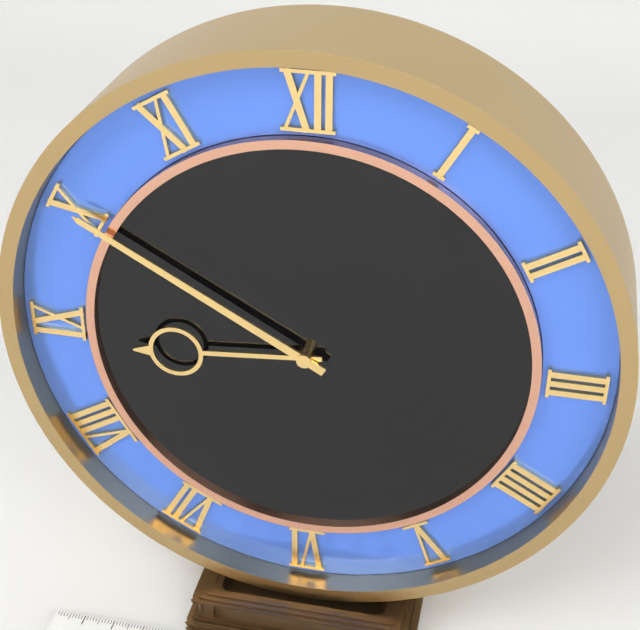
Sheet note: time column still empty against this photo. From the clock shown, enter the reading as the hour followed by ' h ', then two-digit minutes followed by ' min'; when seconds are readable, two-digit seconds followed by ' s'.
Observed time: 8 h 50 min
